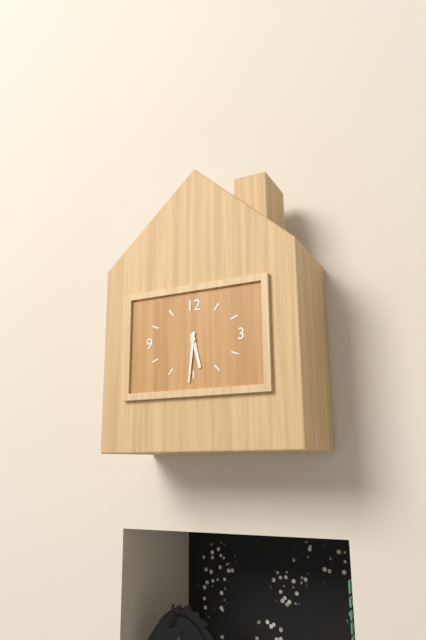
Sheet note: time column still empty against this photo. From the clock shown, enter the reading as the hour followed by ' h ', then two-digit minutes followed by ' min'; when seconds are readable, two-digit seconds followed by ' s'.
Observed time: 5 h 31 min
